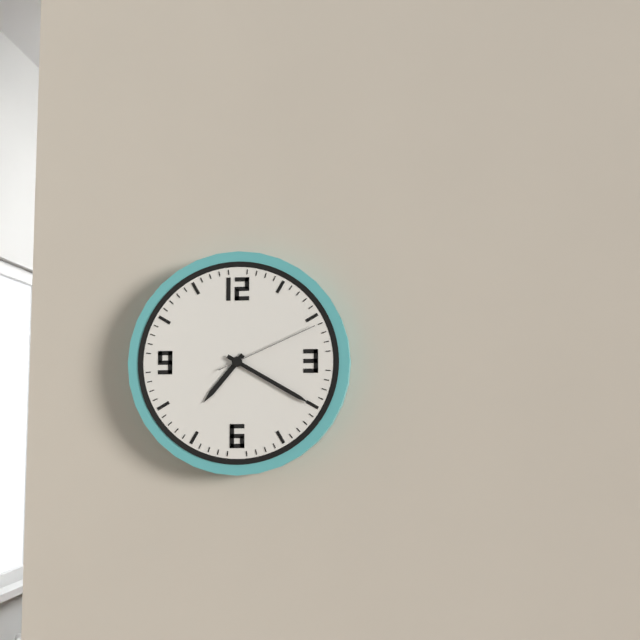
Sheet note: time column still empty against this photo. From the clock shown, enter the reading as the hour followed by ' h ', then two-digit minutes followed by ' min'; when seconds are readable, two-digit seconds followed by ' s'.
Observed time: 7 h 20 min 11 s
